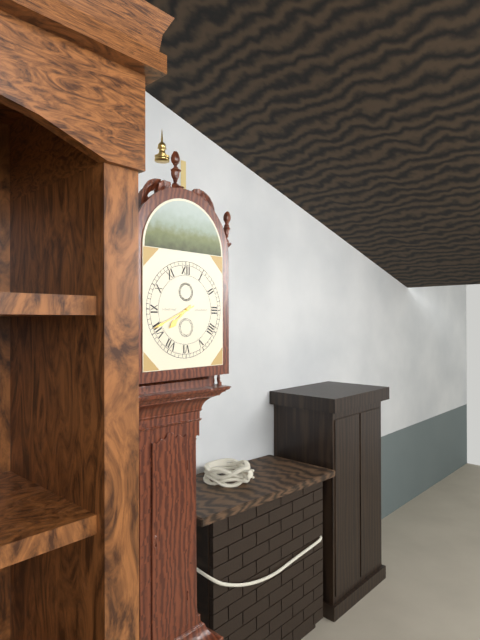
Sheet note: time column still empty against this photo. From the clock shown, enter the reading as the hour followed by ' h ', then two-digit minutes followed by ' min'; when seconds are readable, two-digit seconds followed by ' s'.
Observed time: 7 h 41 min
